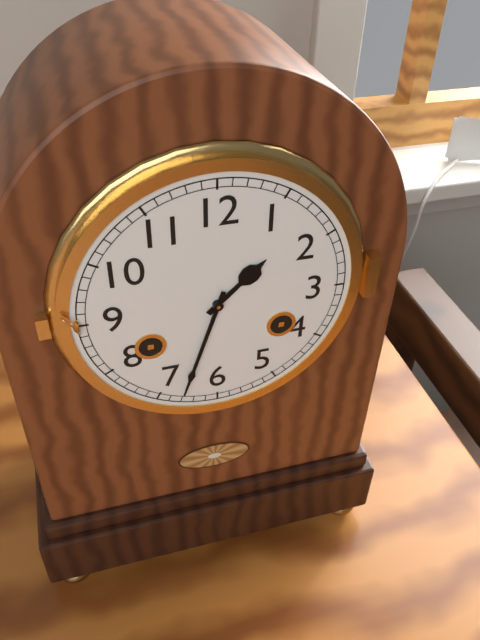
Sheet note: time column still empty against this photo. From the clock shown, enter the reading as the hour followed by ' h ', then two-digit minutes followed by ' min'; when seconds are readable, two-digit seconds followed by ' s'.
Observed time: 1 h 33 min
